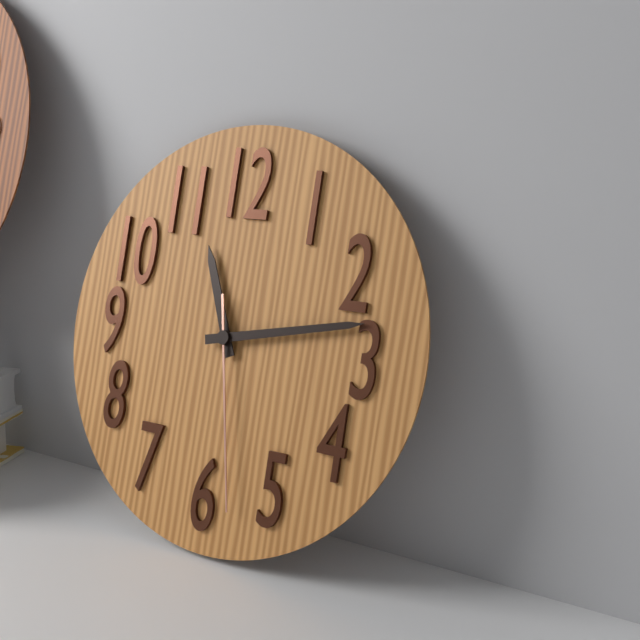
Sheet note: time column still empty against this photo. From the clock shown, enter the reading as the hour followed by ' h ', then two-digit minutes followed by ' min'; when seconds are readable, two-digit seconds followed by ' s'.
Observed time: 11 h 13 min 28 s
